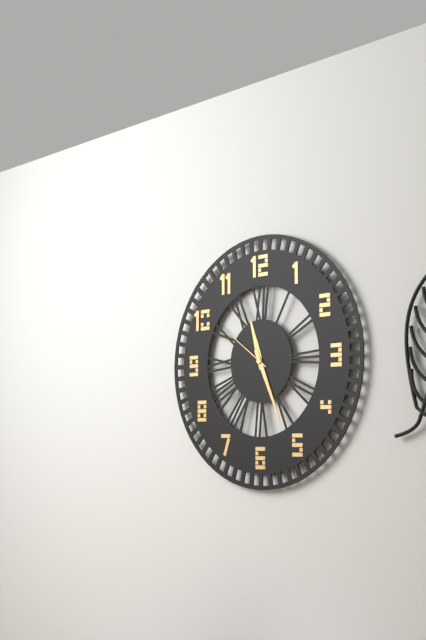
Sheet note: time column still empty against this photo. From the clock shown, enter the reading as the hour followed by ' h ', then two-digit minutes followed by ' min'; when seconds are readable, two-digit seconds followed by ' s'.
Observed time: 11 h 26 min 51 s
